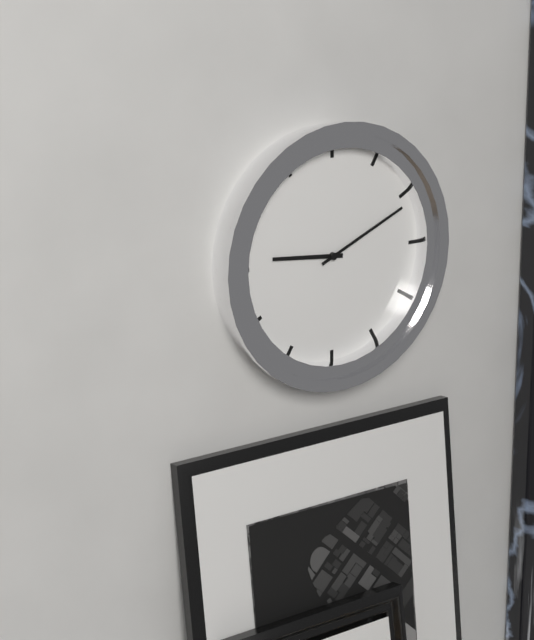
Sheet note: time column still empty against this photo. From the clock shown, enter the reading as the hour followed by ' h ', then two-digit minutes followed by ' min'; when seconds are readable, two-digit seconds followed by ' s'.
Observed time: 9 h 11 min
